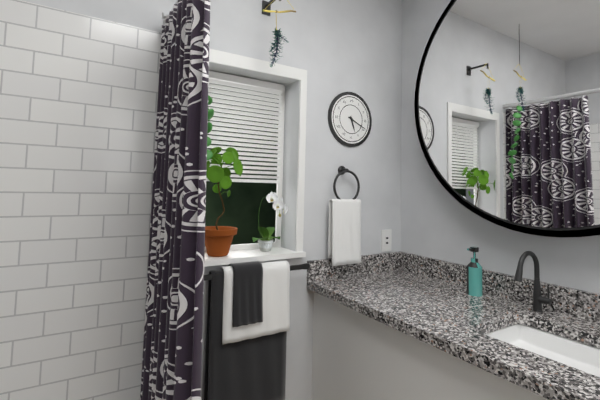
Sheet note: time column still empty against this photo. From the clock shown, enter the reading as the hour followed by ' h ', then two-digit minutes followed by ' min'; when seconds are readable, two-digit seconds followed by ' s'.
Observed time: 5 h 19 min
